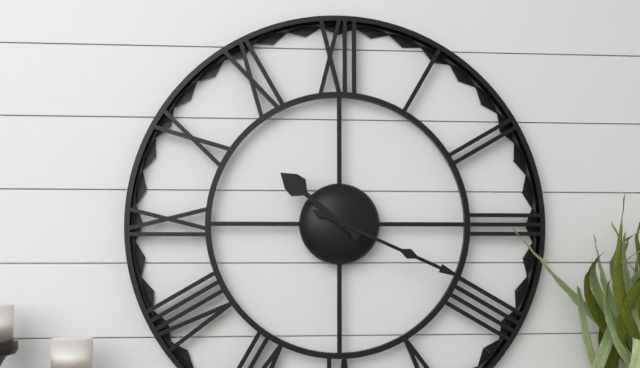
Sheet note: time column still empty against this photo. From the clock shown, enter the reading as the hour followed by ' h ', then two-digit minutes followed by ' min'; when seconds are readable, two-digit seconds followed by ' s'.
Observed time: 10 h 19 min
